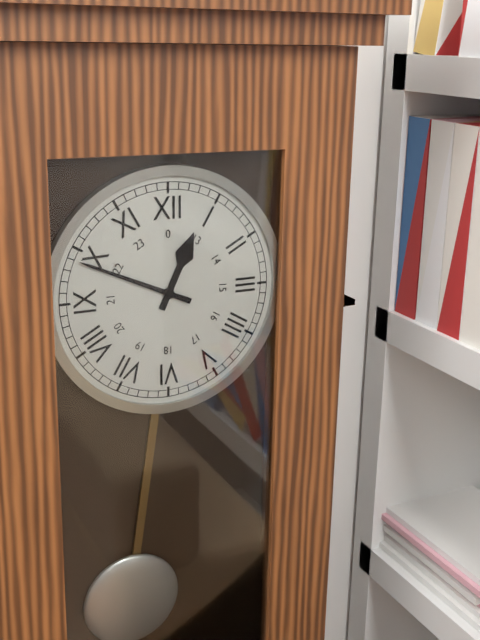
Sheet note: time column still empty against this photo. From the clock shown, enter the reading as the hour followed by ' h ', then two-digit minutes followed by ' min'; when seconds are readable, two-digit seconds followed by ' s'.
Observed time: 12 h 49 min
